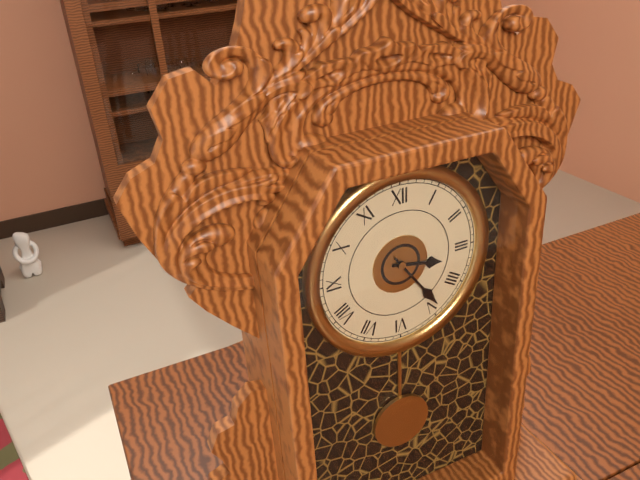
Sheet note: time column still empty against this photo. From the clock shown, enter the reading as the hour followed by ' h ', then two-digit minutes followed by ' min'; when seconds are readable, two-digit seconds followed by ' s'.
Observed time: 3 h 24 min
